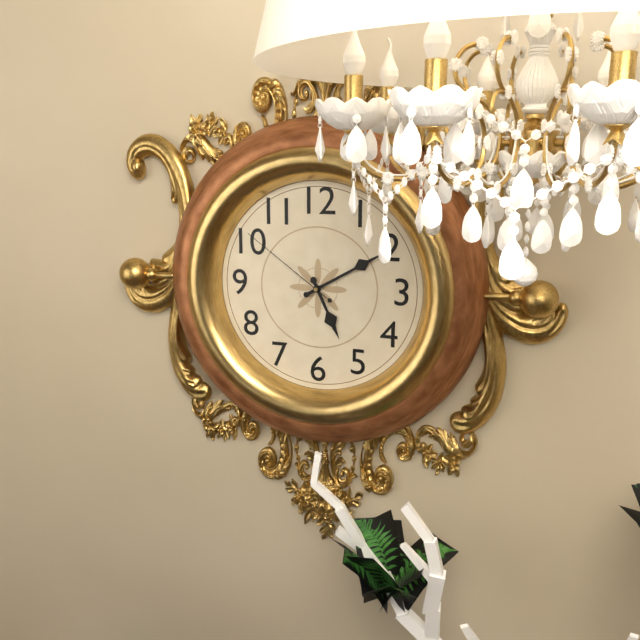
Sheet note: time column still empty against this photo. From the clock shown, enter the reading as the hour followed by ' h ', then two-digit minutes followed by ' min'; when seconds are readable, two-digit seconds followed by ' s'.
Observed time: 5 h 10 min 51 s
